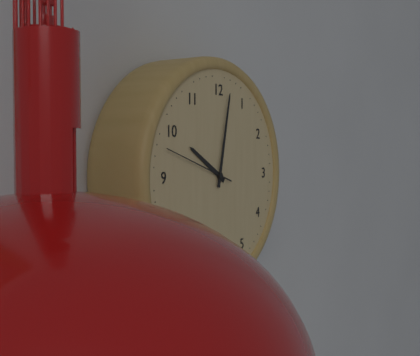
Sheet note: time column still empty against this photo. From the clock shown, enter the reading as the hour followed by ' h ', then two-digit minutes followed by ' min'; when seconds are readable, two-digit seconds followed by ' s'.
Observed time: 10 h 02 min 48 s
